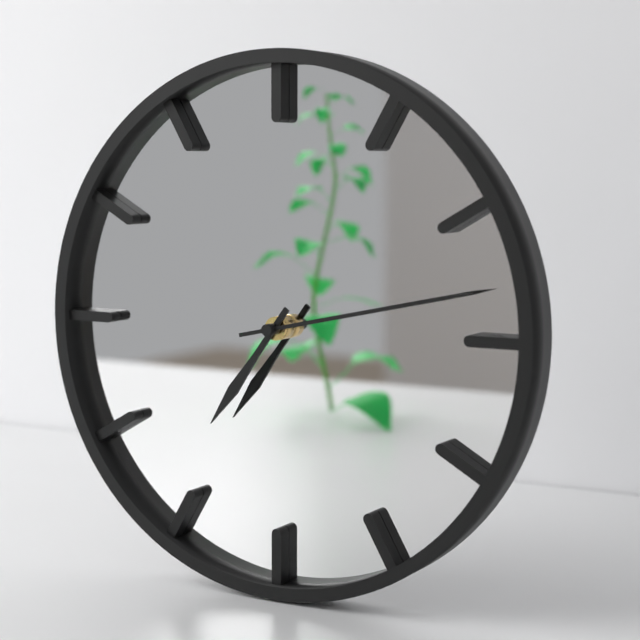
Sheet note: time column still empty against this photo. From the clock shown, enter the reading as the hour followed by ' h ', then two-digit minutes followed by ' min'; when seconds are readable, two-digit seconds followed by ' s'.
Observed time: 7 h 13 min
